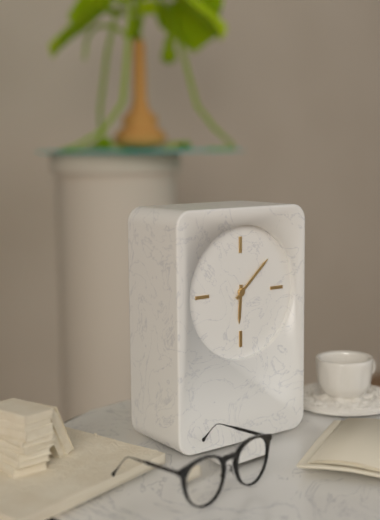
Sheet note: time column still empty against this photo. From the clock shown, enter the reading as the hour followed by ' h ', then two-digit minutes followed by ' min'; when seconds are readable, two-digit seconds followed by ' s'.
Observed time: 6 h 08 min
